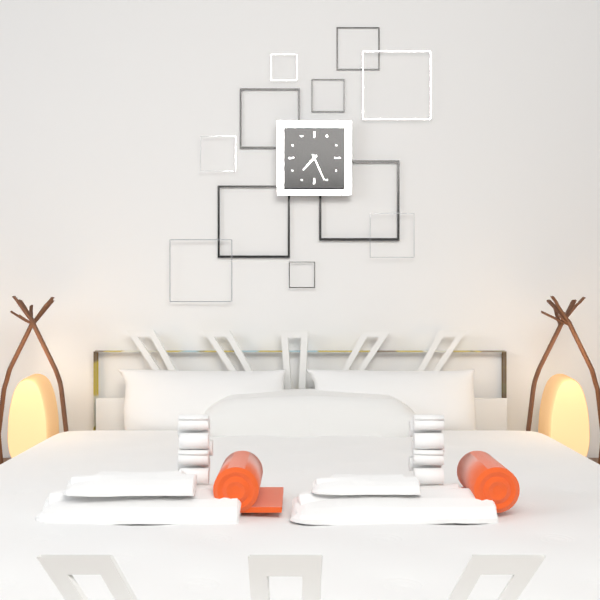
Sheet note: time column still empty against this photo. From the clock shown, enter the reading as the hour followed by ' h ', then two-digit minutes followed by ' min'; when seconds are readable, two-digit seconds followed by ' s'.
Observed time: 7 h 26 min
